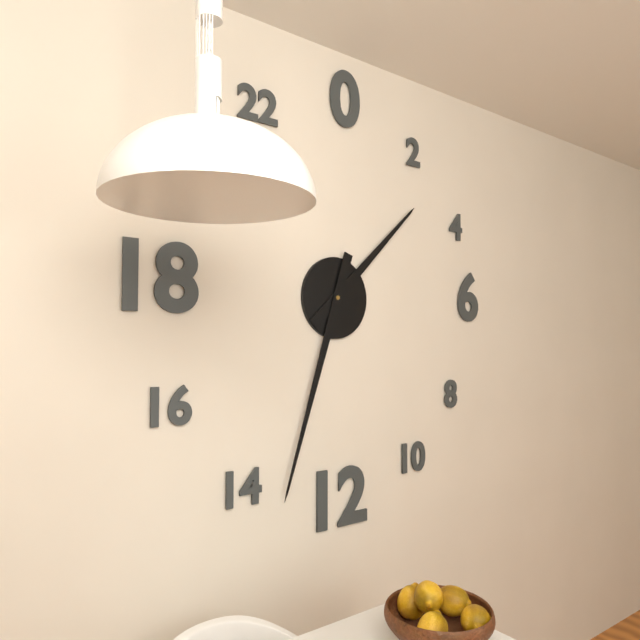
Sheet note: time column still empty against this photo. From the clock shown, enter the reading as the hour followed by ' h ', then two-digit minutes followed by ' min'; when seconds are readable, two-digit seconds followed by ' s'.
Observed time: 1 h 33 min
